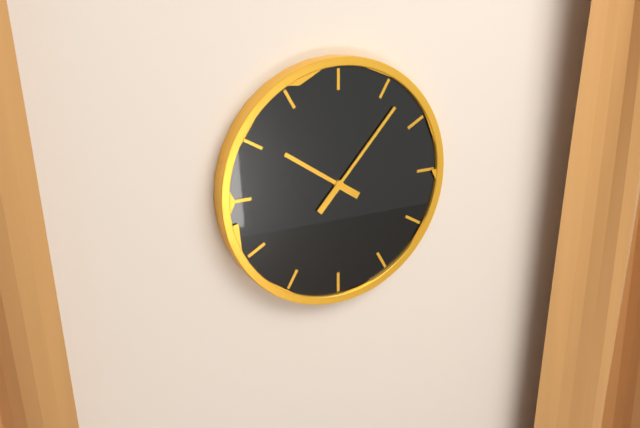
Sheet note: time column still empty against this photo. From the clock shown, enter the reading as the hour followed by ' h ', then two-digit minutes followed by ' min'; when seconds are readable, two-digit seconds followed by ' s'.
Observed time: 10 h 07 min
